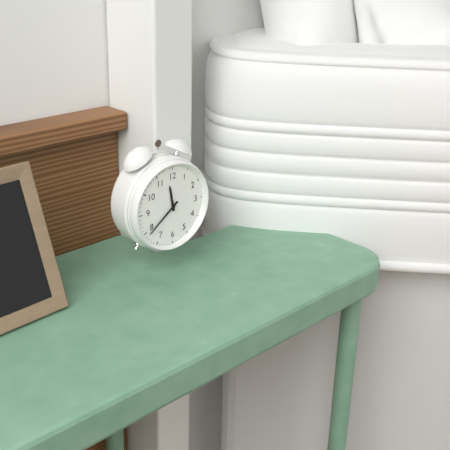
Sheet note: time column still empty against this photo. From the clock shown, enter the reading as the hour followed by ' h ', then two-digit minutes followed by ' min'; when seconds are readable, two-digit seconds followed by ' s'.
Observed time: 11 h 39 min
